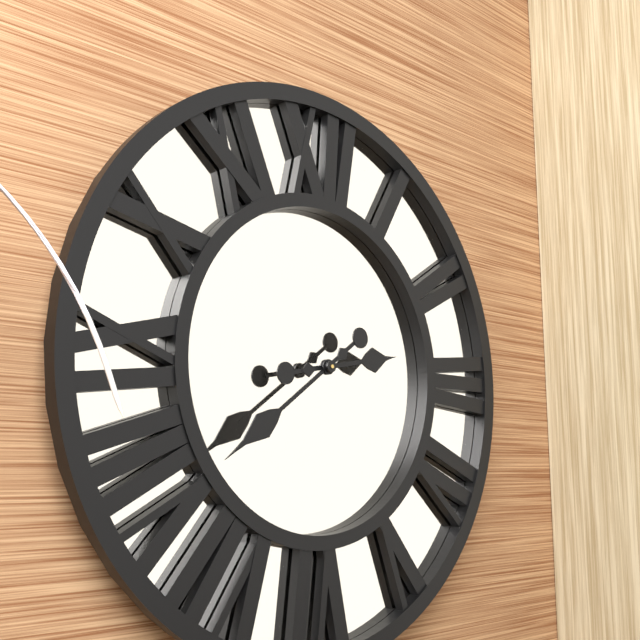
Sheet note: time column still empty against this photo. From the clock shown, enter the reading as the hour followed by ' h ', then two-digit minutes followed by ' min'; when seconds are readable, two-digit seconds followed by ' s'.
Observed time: 2 h 39 min
